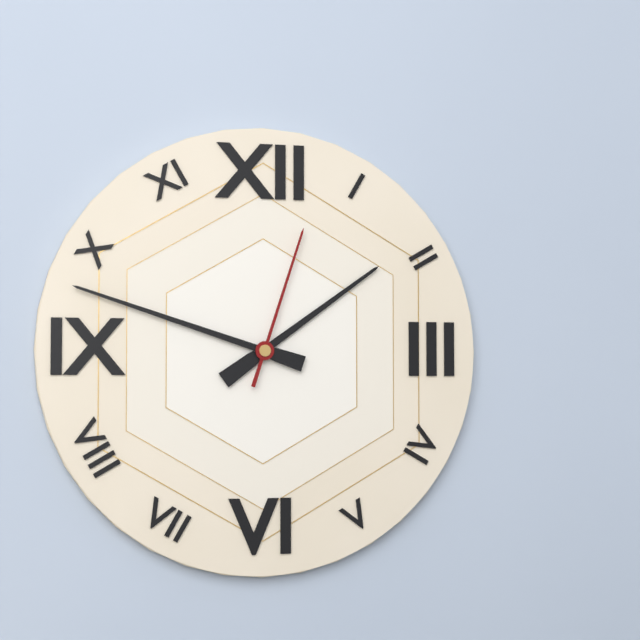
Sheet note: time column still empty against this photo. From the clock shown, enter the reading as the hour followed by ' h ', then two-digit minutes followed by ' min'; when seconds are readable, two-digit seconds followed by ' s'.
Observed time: 1 h 48 min 03 s
